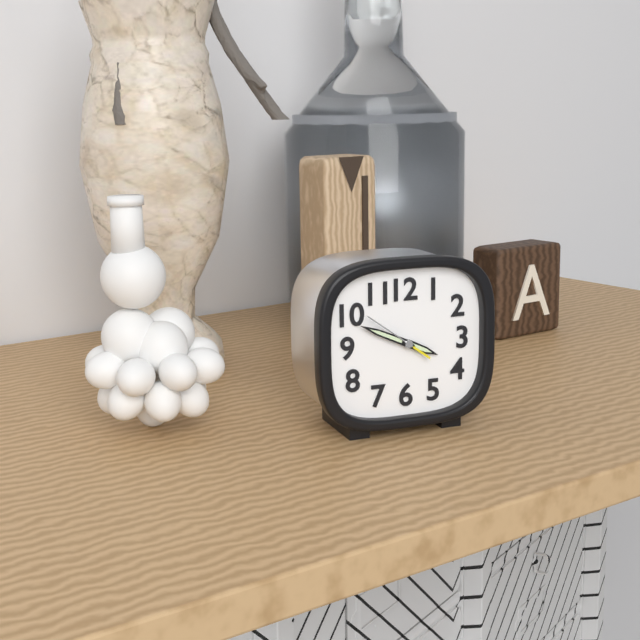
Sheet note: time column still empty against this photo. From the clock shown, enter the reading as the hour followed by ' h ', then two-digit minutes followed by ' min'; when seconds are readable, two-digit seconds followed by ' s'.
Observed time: 3 h 49 min 51 s
